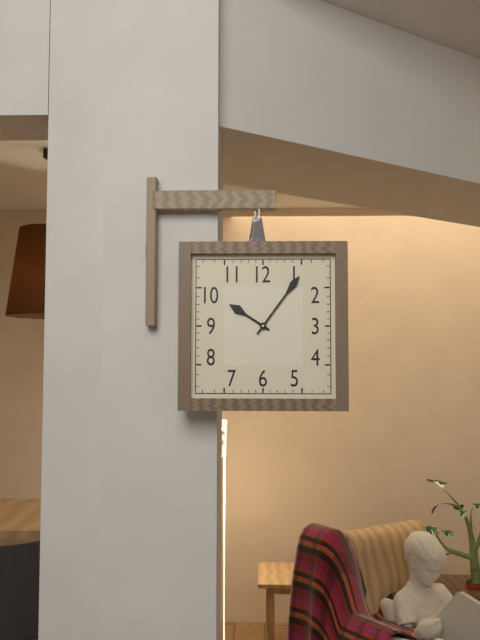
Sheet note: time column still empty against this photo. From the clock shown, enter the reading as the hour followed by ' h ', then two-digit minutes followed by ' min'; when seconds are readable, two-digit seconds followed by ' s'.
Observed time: 10 h 06 min
